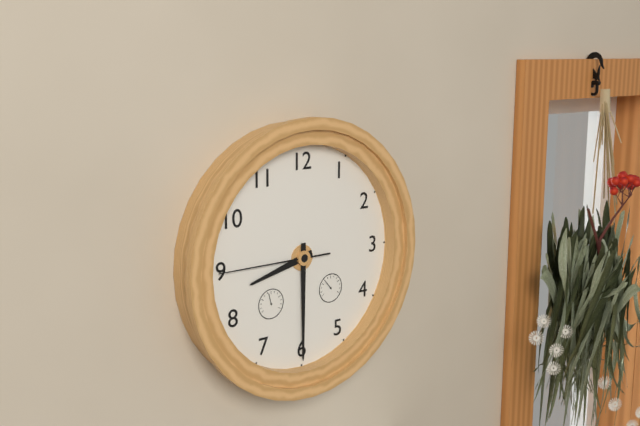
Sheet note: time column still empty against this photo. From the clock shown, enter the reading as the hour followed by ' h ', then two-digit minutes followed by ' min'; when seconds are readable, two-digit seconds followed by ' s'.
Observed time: 8 h 30 min 45 s
